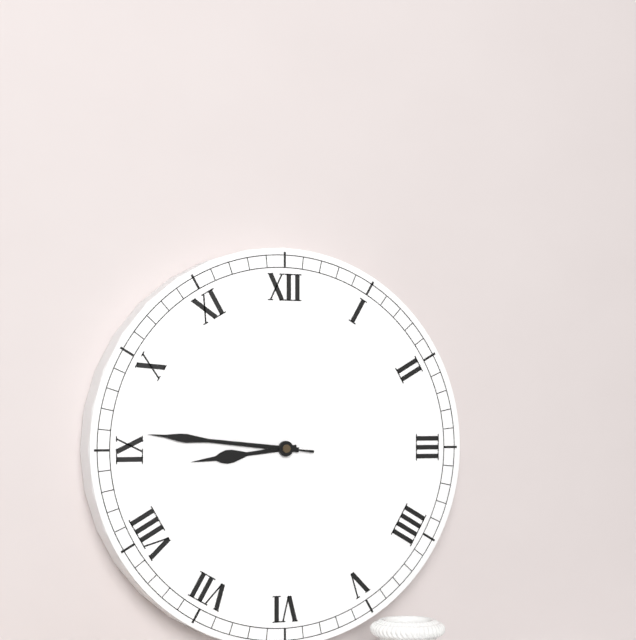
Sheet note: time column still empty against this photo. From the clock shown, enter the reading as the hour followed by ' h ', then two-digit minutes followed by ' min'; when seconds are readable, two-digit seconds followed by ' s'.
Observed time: 8 h 46 min 46 s
